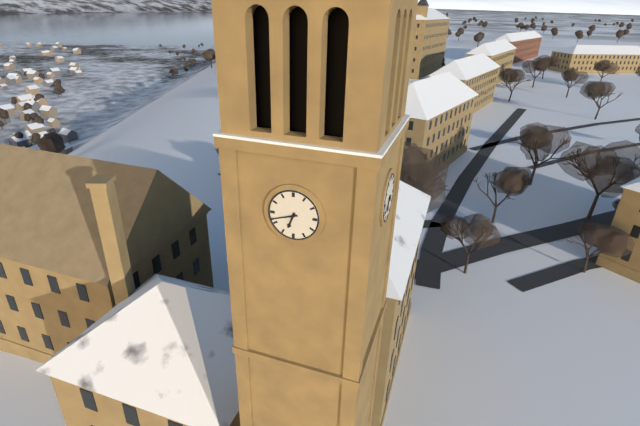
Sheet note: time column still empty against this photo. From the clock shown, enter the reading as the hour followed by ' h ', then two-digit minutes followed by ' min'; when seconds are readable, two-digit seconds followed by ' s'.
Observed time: 6 h 42 min
